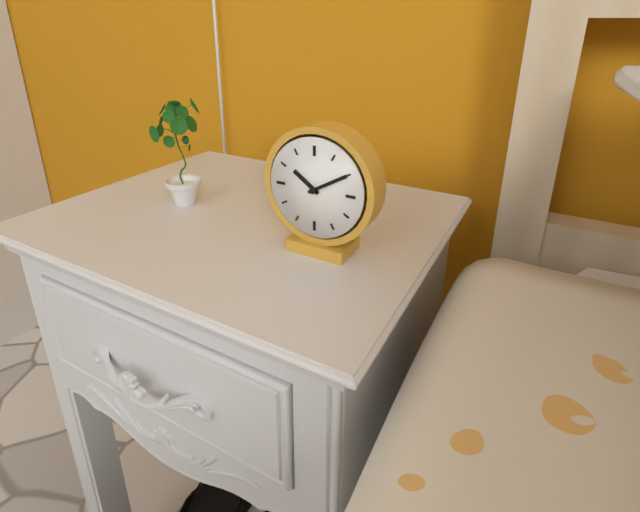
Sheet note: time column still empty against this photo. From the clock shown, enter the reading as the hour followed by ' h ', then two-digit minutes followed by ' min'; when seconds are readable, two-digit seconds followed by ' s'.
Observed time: 10 h 10 min
